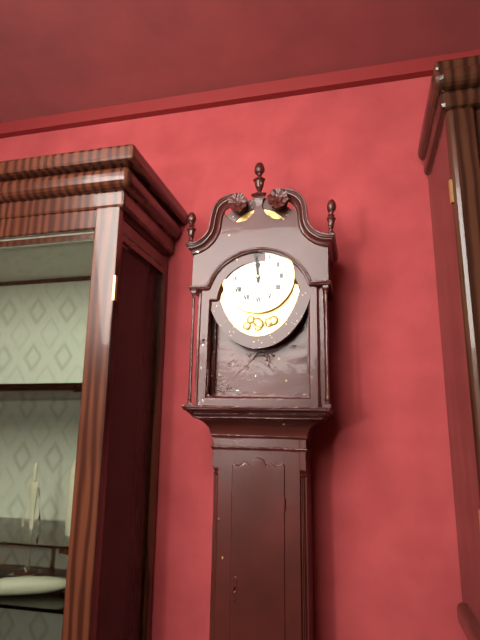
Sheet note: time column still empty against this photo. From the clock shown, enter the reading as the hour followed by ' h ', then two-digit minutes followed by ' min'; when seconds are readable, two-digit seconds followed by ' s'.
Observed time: 11 h 59 min
